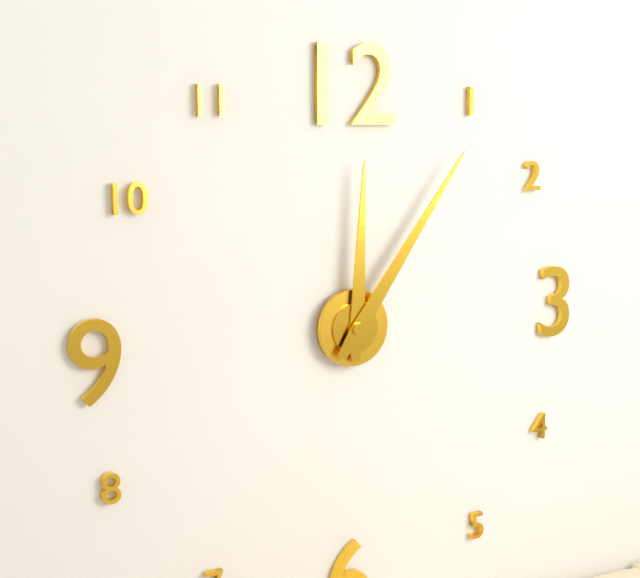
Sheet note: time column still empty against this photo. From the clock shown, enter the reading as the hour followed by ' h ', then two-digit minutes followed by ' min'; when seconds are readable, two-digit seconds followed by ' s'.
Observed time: 12 h 06 min
